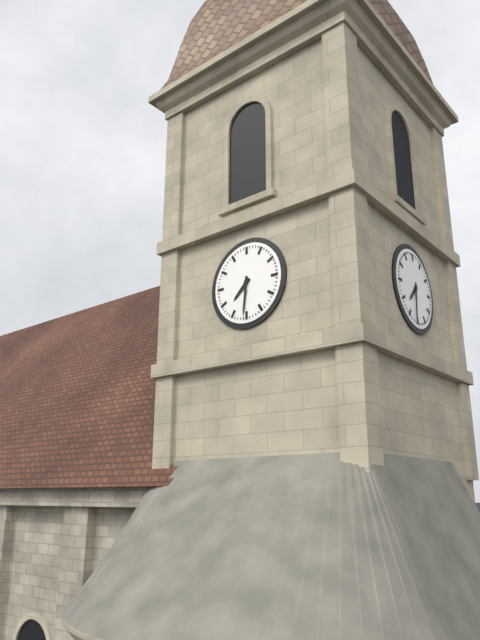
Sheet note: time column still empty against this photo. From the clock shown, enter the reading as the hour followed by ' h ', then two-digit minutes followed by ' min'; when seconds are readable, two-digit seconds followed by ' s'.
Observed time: 7 h 31 min
